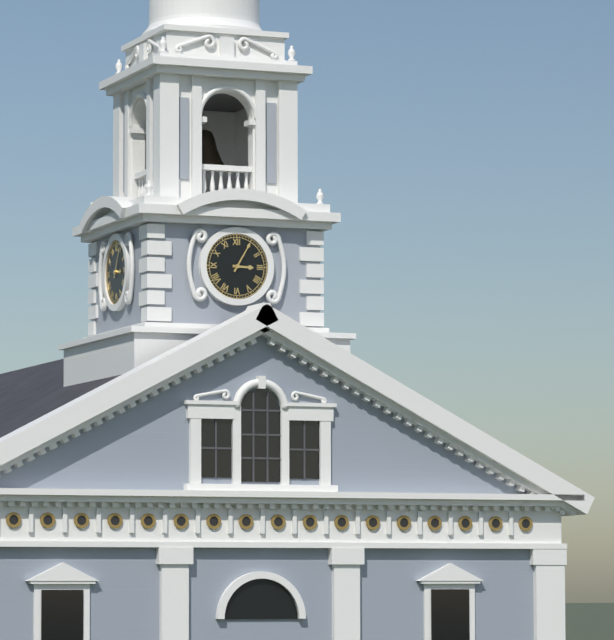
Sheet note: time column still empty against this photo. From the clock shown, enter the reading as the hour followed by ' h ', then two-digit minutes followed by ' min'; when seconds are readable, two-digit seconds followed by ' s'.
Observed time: 3 h 05 min
